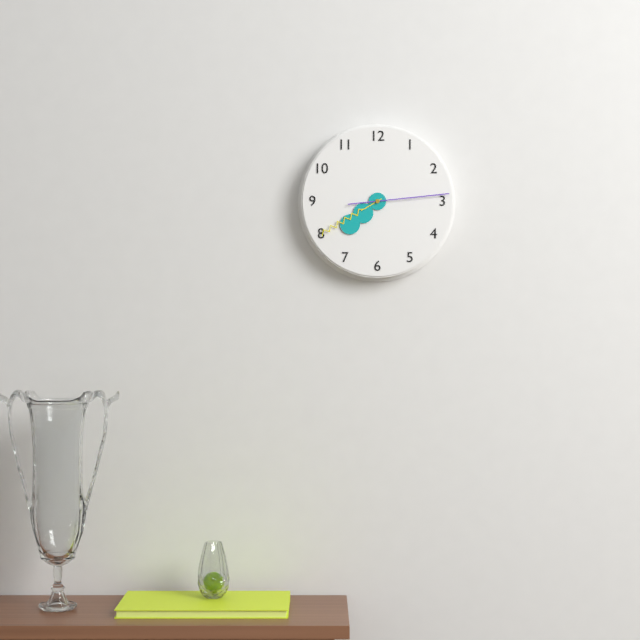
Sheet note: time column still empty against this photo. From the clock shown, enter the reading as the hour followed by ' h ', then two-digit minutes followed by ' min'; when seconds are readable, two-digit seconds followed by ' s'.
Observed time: 7 h 40 min 14 s
